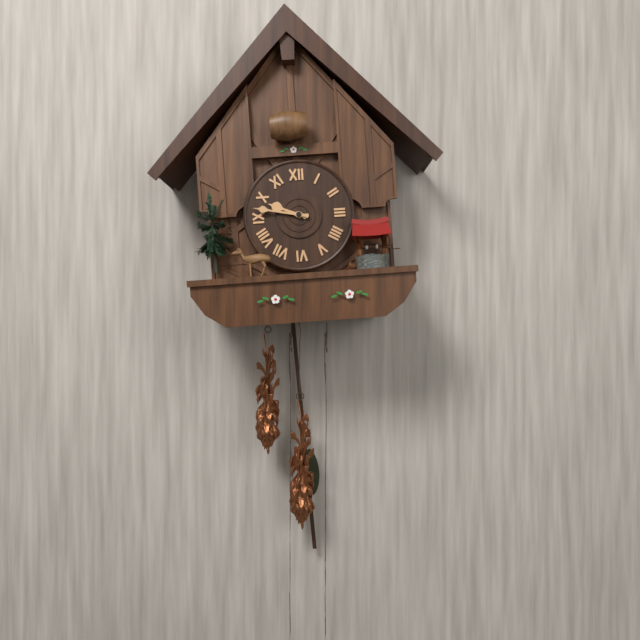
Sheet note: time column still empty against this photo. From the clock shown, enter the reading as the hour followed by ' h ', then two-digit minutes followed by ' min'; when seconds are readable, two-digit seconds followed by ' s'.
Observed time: 9 h 47 min
